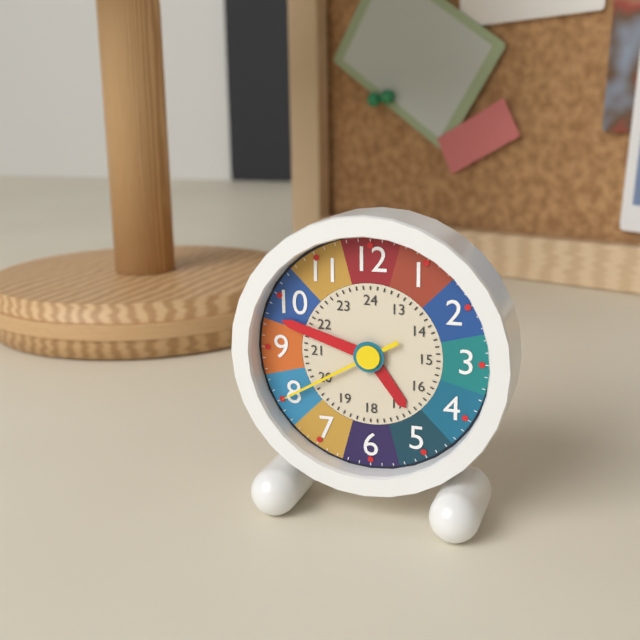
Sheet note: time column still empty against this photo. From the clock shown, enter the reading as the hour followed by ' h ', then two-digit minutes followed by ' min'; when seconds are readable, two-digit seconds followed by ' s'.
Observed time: 4 h 48 min 40 s
